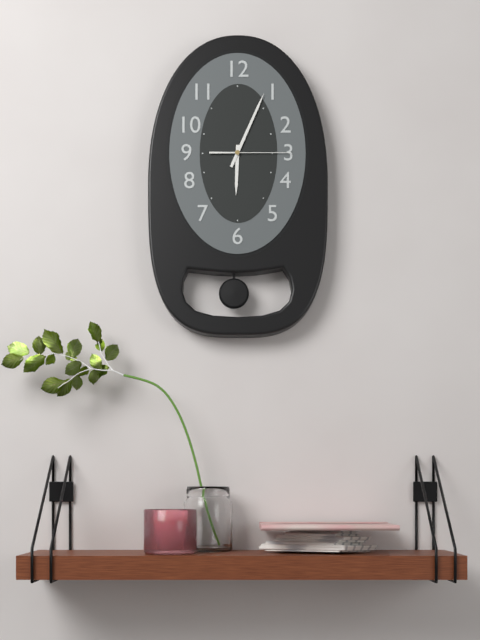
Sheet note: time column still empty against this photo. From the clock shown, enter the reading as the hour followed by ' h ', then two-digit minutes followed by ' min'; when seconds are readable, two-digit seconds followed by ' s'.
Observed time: 6 h 04 min 15 s
